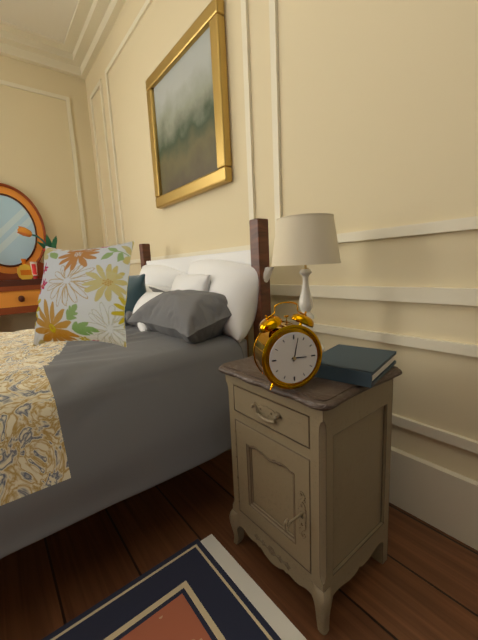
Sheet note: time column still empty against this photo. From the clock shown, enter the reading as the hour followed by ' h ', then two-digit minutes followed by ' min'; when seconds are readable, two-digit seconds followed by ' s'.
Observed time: 3 h 02 min
